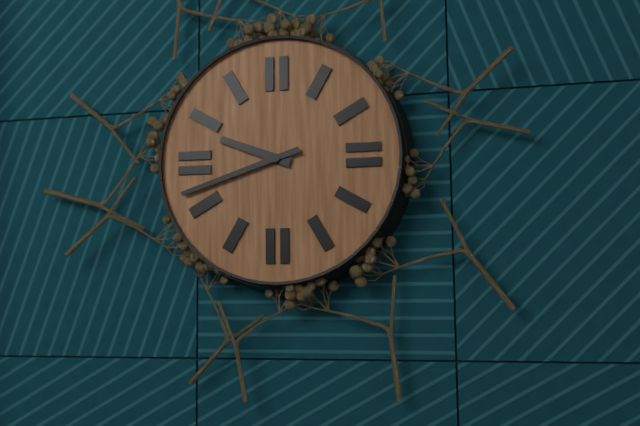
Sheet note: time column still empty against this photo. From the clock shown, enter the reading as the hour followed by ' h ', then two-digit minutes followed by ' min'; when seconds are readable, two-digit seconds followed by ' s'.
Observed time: 9 h 42 min
